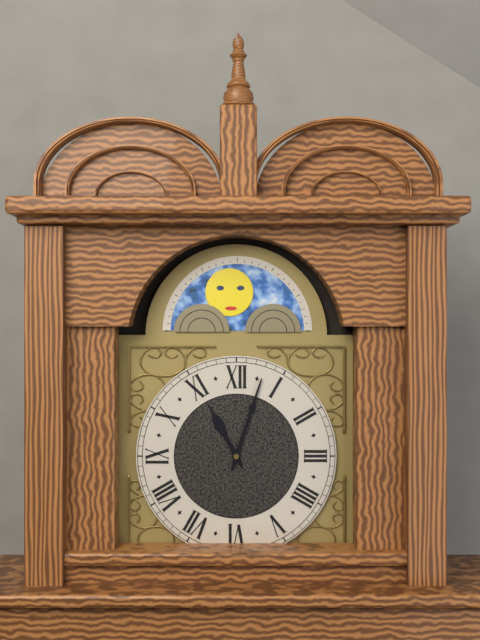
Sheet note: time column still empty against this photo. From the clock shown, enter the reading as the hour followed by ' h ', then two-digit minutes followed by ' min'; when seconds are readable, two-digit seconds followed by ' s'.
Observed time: 11 h 03 min
